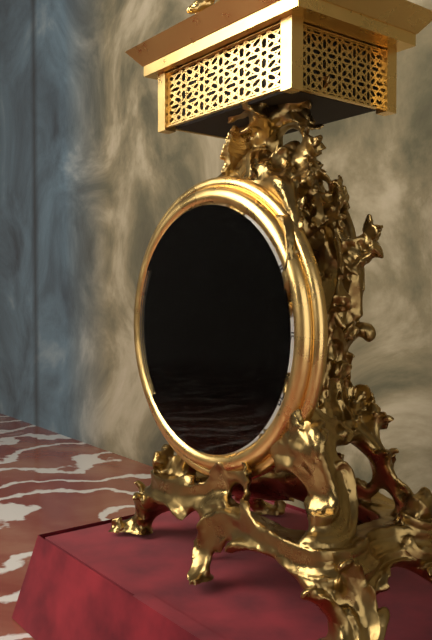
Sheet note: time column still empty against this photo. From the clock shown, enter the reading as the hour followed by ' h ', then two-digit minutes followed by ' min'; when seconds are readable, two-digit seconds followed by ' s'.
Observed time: 12 h 12 min
